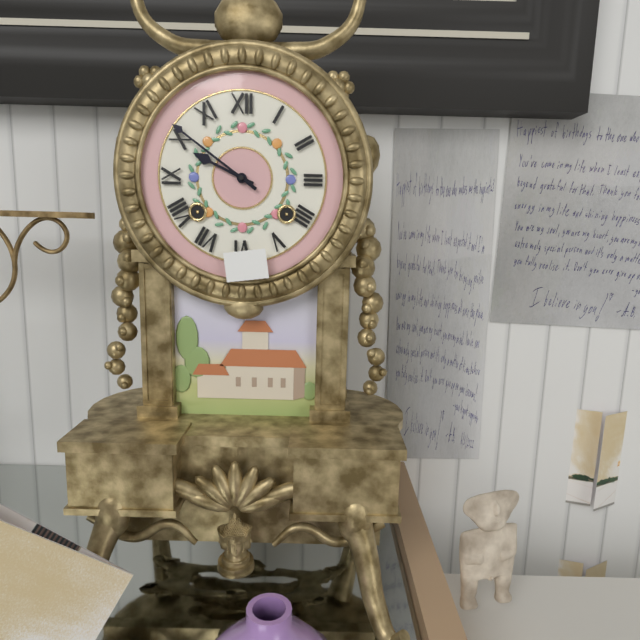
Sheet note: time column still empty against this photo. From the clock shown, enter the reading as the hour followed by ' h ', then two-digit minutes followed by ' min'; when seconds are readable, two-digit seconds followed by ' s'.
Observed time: 9 h 51 min
